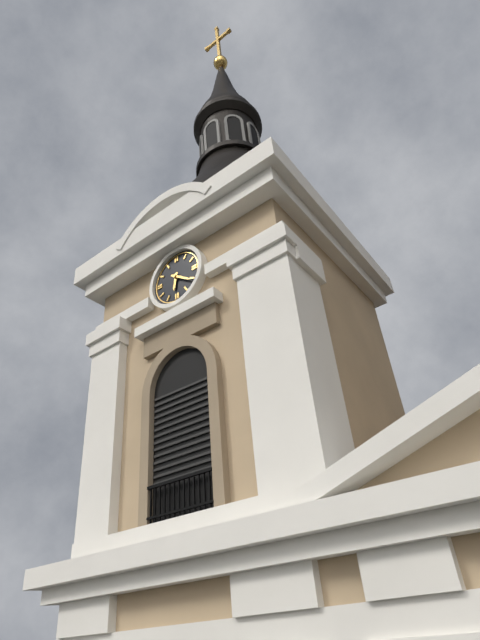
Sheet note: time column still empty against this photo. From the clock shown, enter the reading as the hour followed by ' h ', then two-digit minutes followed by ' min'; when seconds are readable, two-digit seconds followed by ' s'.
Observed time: 6 h 21 min
